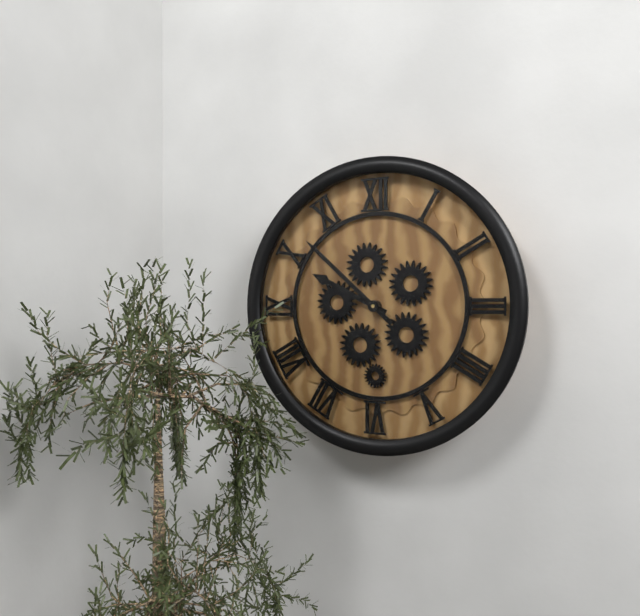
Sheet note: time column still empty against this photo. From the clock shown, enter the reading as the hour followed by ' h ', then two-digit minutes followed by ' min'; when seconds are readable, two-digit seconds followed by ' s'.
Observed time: 9 h 52 min
